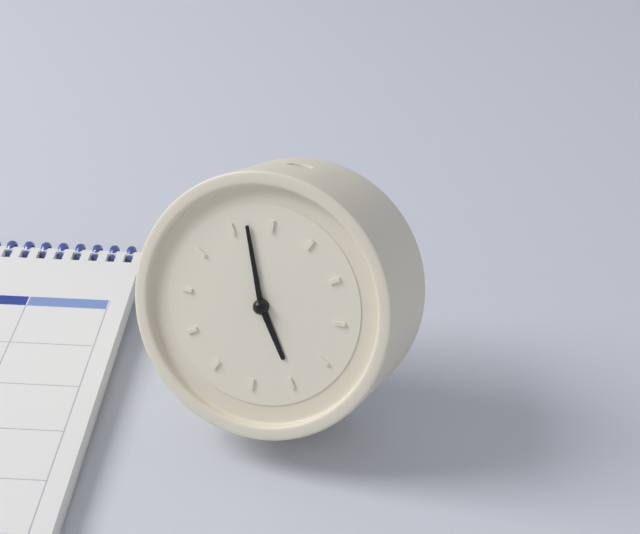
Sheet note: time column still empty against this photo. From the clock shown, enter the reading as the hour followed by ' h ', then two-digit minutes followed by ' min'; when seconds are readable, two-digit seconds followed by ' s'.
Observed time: 4 h 57 min
